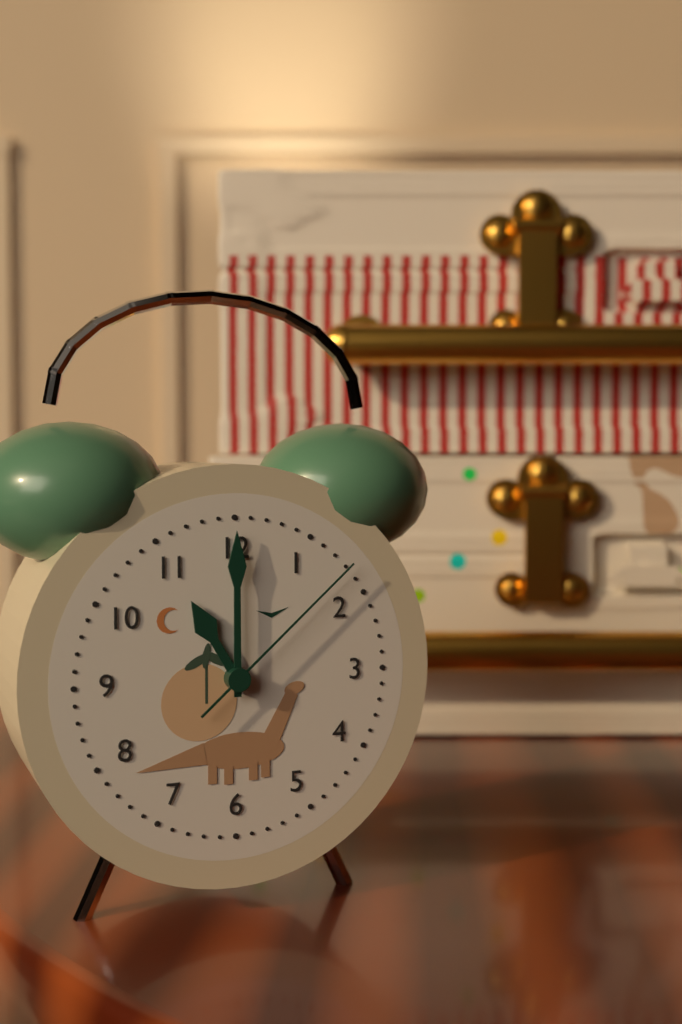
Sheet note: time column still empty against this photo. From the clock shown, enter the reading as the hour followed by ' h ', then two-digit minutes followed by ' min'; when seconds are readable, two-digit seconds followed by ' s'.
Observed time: 11 h 00 min 08 s
